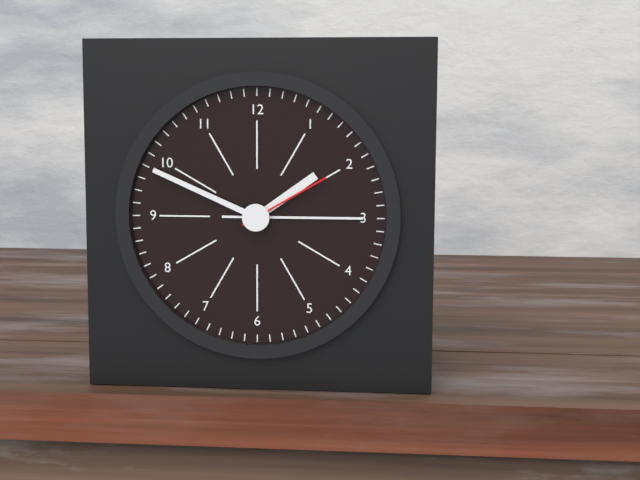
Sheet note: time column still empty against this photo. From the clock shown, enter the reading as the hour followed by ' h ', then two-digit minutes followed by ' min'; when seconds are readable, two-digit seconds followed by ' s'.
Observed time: 1 h 49 min 10 s
